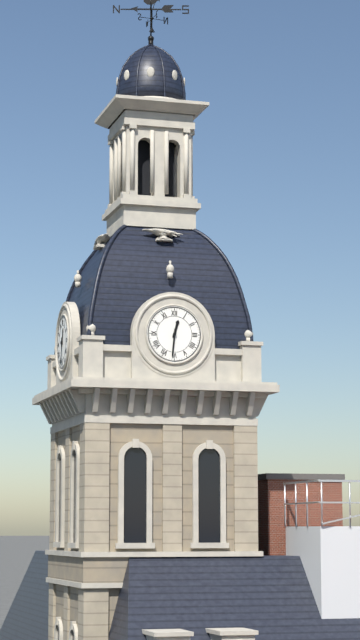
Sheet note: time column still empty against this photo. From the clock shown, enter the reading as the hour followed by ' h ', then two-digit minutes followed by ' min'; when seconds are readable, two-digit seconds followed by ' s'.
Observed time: 12 h 31 min
